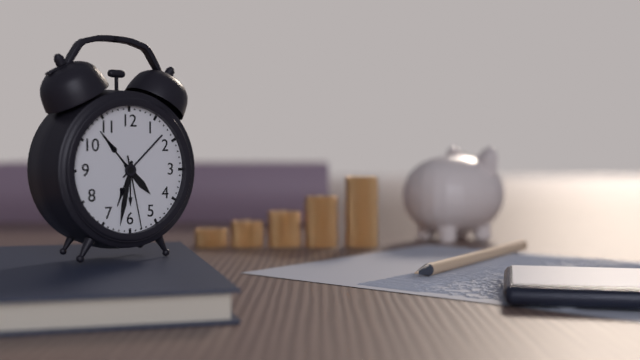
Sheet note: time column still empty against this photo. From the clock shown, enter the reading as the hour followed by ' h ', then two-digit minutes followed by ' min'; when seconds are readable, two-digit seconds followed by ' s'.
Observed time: 4 h 32 min 28 s
